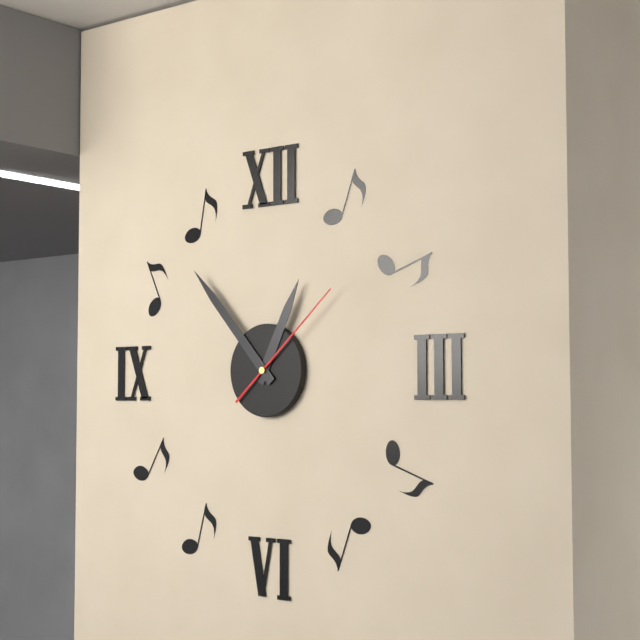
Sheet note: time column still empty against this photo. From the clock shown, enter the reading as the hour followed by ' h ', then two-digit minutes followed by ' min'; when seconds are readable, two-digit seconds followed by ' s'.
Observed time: 12 h 53 min 08 s
